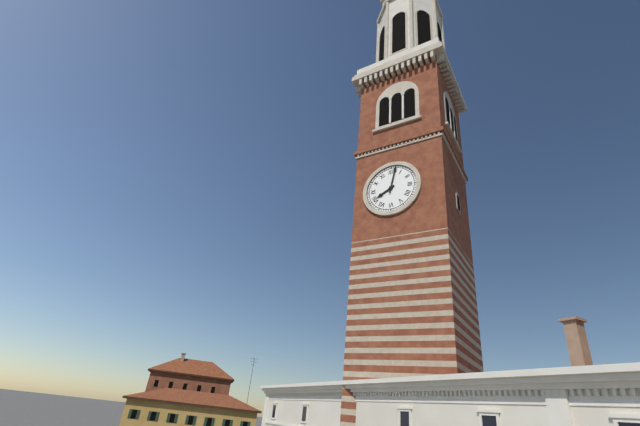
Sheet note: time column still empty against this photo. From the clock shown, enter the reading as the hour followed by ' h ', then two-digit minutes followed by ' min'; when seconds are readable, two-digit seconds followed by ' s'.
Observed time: 8 h 02 min
